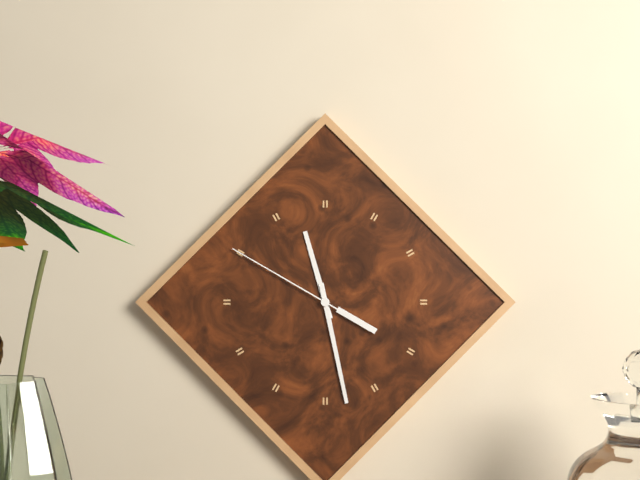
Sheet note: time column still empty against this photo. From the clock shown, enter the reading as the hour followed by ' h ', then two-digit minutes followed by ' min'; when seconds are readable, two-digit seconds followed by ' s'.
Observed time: 11 h 28 min 50 s
